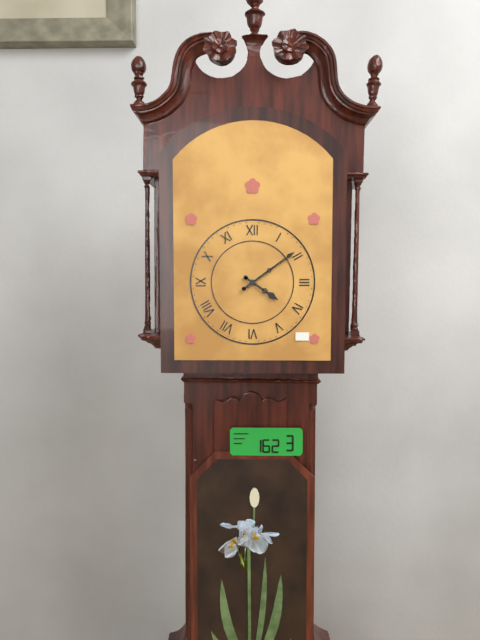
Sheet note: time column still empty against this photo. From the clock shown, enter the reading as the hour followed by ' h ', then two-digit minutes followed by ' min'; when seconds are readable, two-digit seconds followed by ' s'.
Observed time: 4 h 09 min
